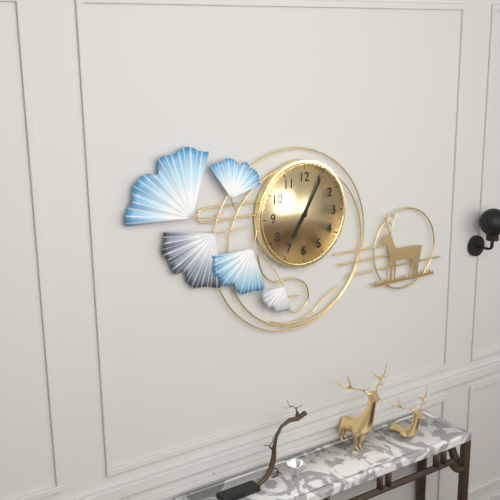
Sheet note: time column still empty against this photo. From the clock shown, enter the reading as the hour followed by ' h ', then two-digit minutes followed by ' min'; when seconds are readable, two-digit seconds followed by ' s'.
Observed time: 7 h 05 min
